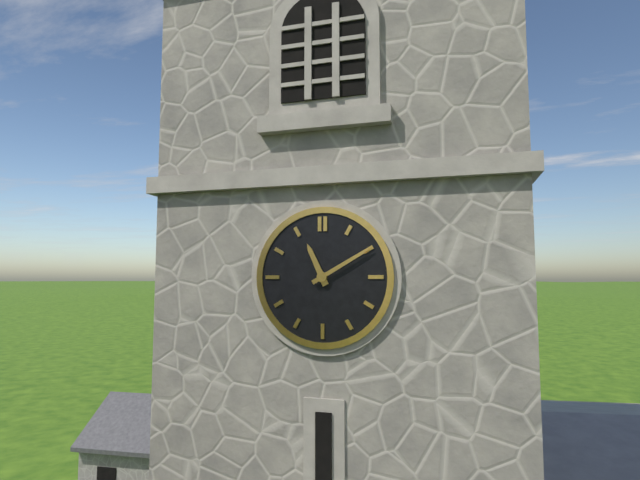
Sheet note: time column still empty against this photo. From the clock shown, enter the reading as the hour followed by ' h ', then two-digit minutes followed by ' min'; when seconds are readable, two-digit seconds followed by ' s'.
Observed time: 11 h 10 min
